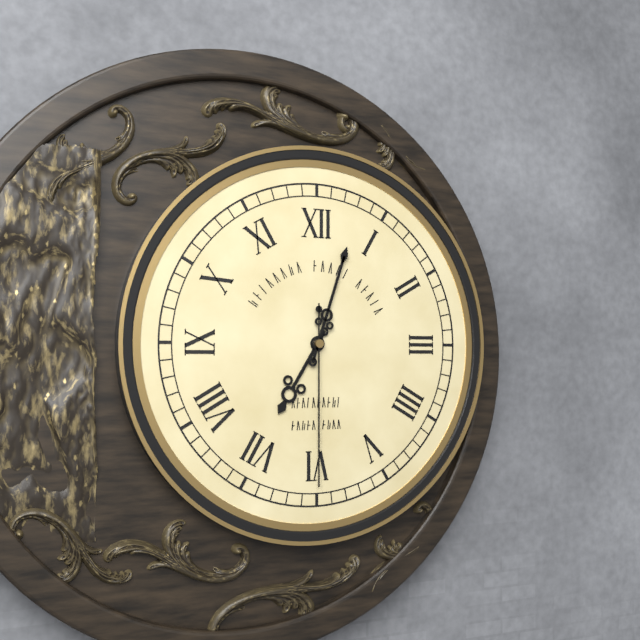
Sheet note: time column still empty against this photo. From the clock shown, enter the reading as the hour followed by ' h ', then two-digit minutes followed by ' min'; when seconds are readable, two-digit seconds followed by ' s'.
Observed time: 7 h 03 min 30 s
